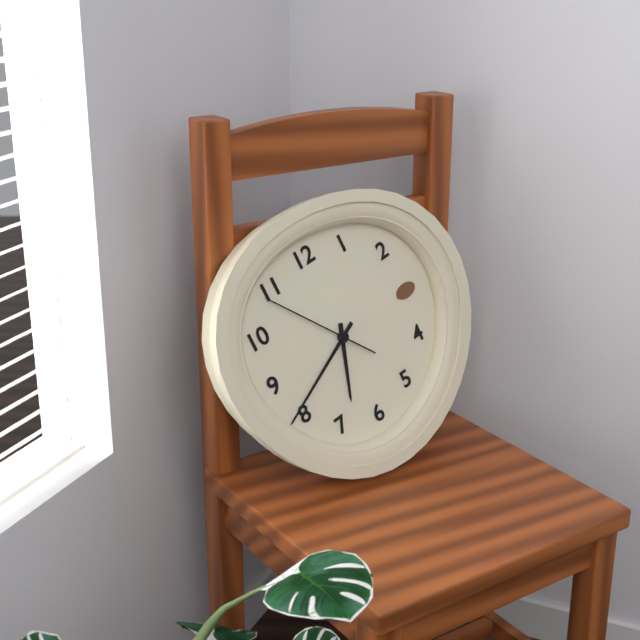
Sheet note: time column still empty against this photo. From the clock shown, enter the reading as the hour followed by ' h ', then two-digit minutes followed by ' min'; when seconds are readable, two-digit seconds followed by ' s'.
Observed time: 6 h 41 min 54 s
